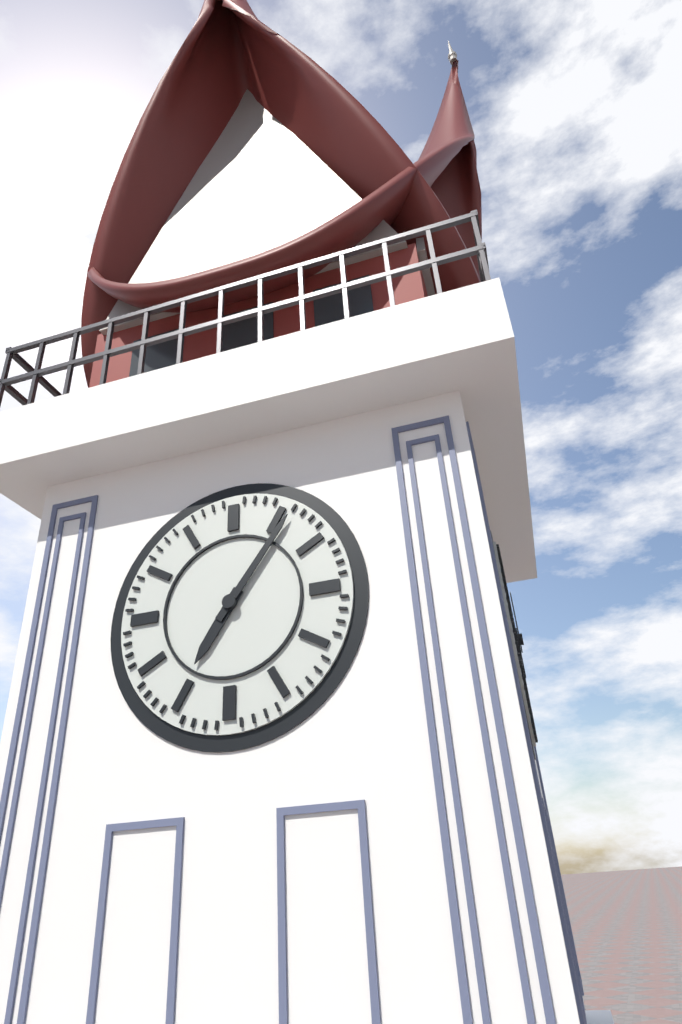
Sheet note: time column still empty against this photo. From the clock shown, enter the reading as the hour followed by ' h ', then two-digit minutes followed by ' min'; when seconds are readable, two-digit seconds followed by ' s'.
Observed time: 7 h 06 min
